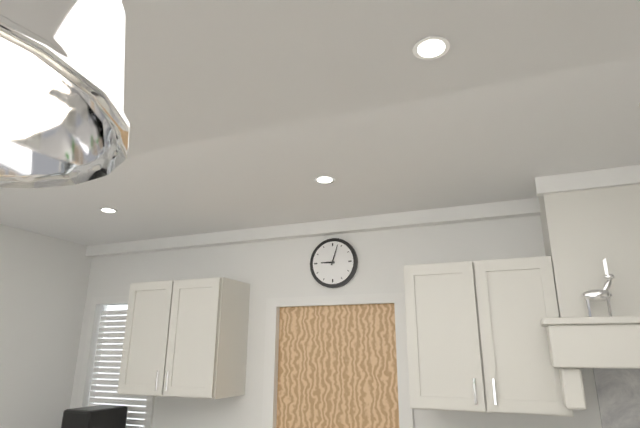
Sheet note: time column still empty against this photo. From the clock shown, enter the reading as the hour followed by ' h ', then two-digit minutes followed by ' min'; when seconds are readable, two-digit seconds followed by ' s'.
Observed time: 9 h 03 min
